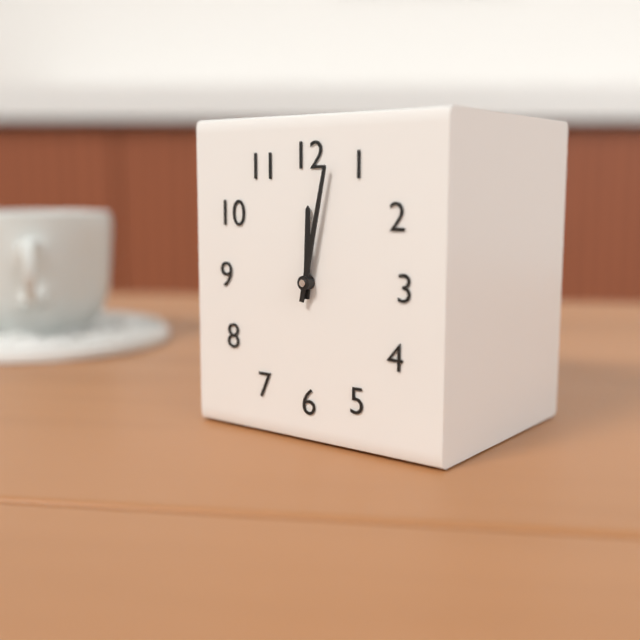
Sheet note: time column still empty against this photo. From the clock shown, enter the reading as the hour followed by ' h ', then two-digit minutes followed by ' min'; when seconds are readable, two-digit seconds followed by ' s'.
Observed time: 12 h 02 min
